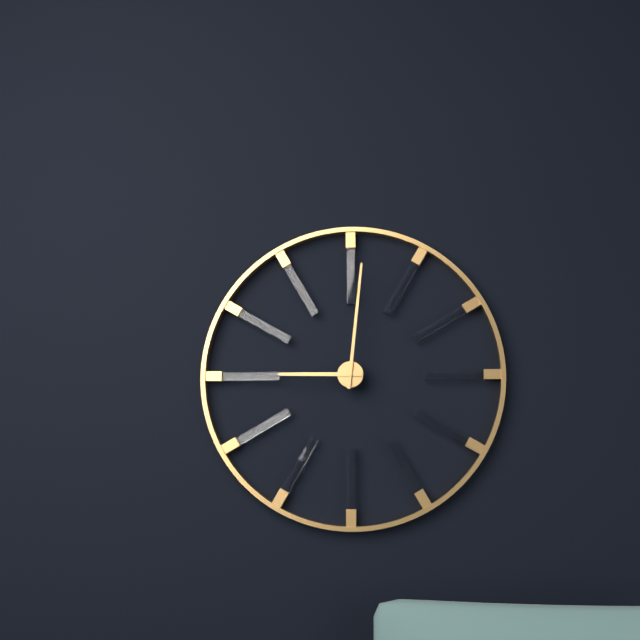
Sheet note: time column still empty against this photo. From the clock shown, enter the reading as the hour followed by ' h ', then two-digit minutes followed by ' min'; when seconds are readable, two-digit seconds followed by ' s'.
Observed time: 9 h 01 min
